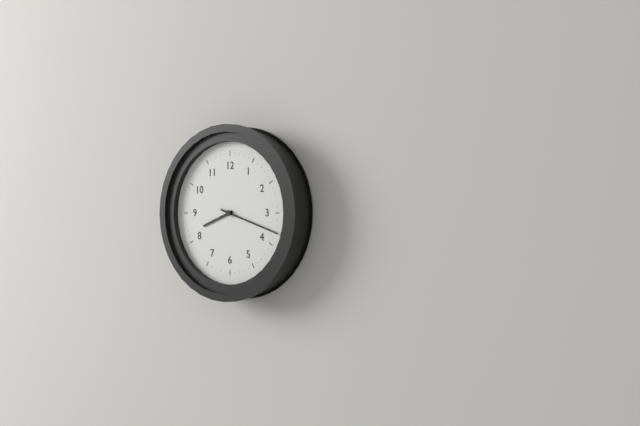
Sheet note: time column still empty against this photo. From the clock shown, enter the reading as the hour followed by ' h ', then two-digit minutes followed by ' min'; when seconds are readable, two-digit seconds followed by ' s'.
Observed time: 8 h 18 min
